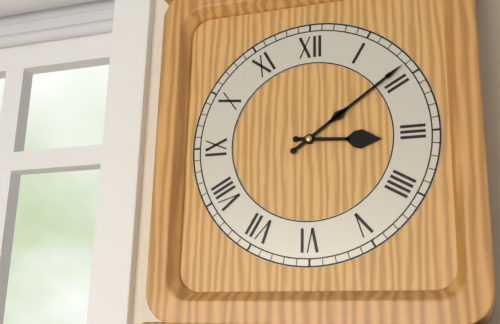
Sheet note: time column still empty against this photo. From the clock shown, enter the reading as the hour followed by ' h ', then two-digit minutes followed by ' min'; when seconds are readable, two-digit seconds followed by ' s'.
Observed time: 3 h 09 min
